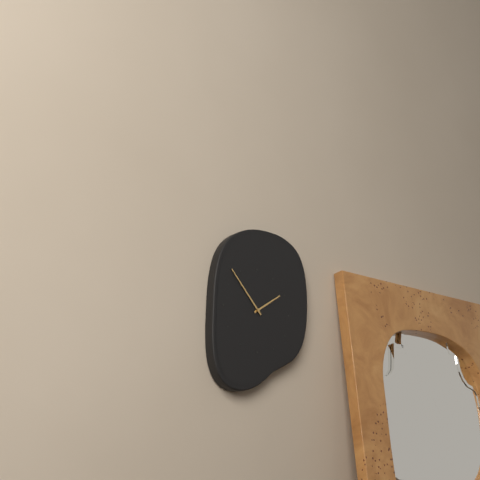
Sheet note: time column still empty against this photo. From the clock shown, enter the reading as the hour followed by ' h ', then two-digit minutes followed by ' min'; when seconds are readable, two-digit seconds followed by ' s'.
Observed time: 1 h 53 min
